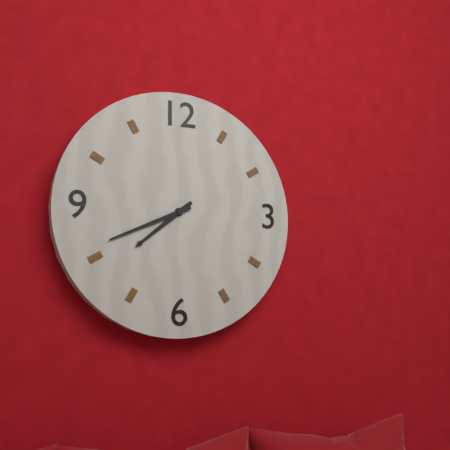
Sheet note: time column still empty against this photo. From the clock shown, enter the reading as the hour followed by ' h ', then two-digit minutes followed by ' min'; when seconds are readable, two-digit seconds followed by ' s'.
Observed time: 7 h 41 min
